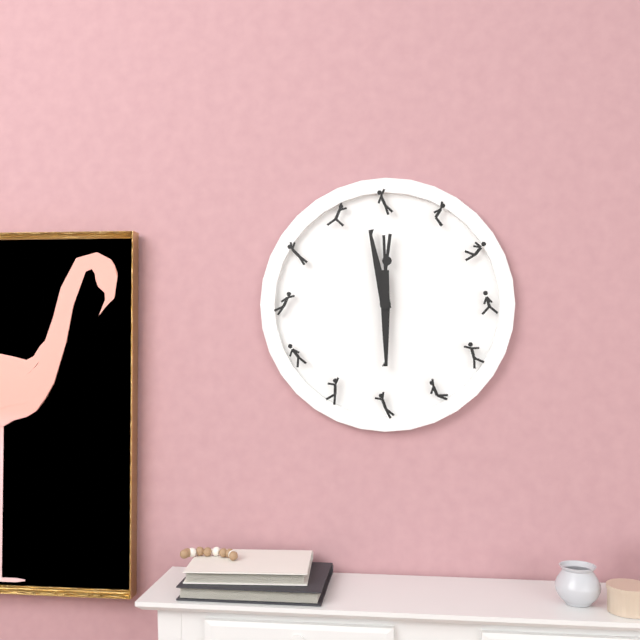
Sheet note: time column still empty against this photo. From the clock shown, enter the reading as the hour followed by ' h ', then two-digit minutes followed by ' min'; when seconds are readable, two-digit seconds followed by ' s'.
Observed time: 5 h 58 min
